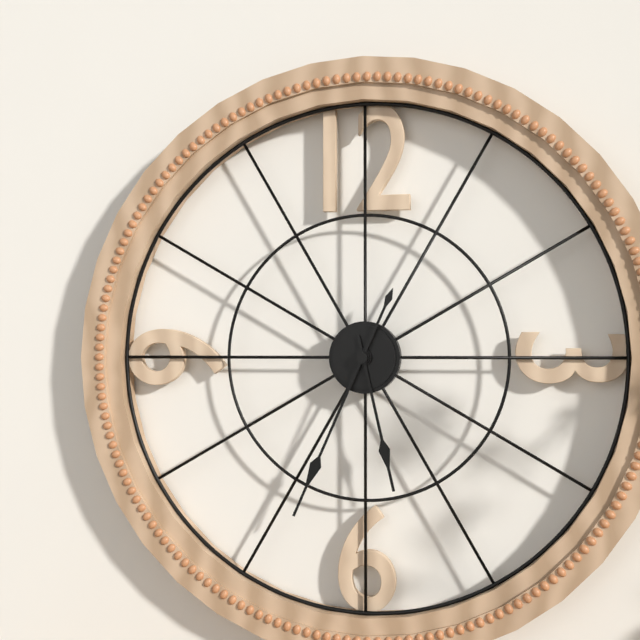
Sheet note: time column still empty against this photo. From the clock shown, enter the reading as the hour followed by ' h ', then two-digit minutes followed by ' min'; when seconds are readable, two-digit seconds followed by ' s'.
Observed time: 5 h 34 min
